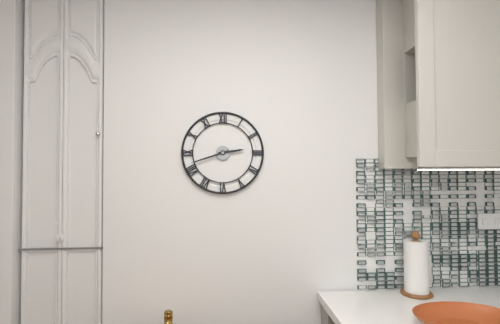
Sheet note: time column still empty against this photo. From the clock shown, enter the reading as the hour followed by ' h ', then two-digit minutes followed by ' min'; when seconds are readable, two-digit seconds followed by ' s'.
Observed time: 2 h 42 min
